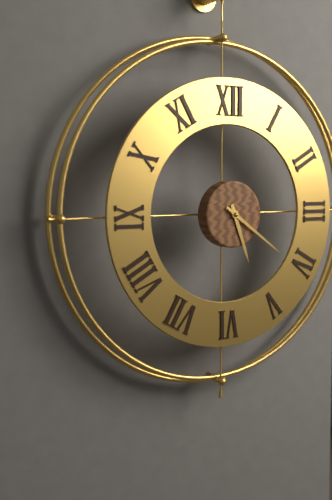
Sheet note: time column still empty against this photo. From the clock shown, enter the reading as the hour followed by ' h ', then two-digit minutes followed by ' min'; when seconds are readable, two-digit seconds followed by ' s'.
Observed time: 5 h 21 min
